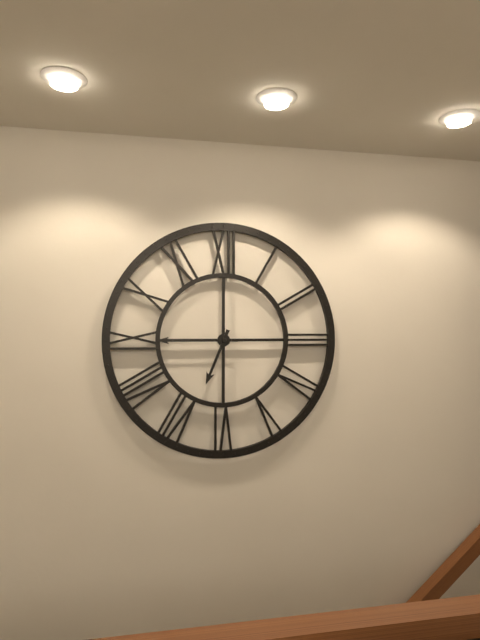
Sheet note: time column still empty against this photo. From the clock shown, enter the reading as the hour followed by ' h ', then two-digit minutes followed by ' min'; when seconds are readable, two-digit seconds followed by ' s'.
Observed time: 6 h 45 min
